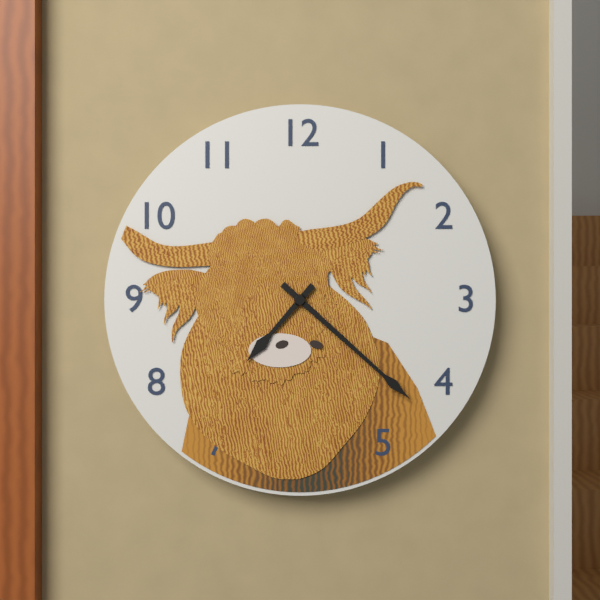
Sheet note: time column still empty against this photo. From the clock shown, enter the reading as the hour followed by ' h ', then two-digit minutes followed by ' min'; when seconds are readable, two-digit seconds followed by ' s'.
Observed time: 7 h 22 min
